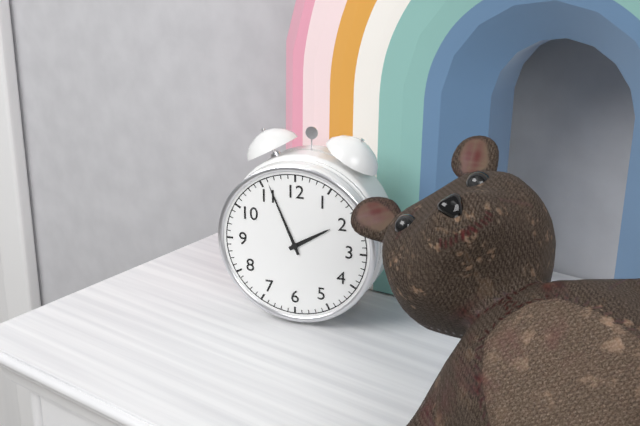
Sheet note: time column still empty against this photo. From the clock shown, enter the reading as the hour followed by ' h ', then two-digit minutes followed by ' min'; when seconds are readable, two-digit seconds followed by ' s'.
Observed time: 1 h 56 min
